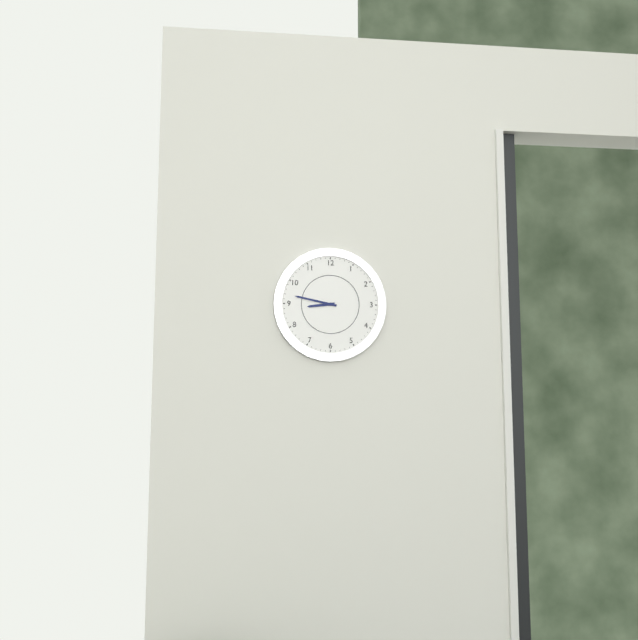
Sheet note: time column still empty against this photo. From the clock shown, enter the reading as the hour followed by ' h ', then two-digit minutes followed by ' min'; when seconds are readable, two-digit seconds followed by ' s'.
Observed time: 8 h 47 min
